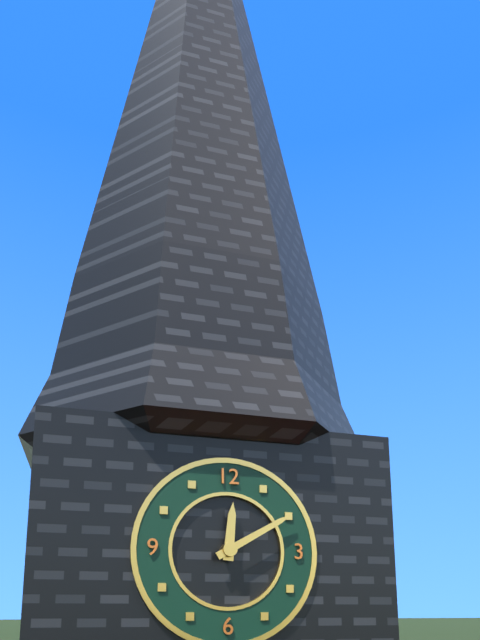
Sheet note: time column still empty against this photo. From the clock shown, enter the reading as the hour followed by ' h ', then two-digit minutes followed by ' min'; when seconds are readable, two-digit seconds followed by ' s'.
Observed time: 12 h 10 min
